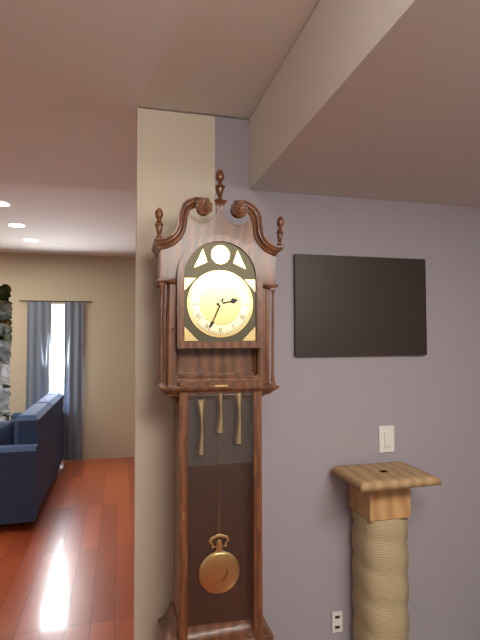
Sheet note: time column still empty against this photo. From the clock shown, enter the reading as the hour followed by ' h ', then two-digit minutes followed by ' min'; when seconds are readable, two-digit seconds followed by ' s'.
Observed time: 2 h 34 min
